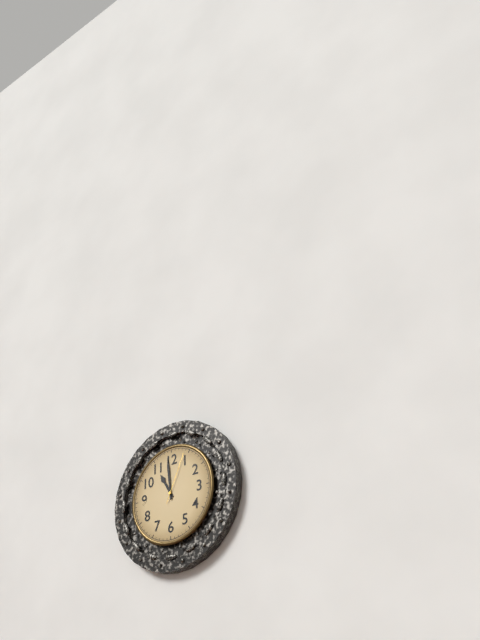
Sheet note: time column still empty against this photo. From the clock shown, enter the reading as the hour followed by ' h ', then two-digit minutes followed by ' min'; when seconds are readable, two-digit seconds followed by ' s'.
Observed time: 10 h 59 min 04 s
